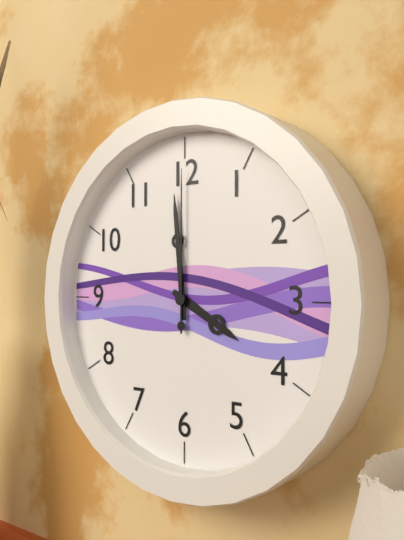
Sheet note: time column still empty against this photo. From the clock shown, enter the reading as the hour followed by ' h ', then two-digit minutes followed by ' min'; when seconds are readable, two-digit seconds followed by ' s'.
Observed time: 3 h 59 min 00 s
